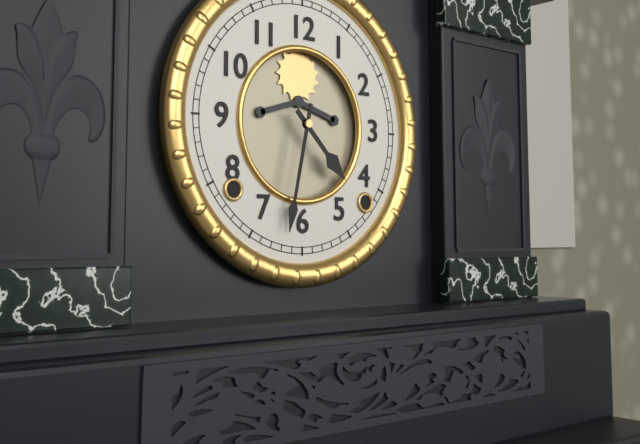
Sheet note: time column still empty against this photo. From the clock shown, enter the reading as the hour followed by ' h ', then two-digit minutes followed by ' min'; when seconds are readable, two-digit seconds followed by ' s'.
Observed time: 4 h 32 min
